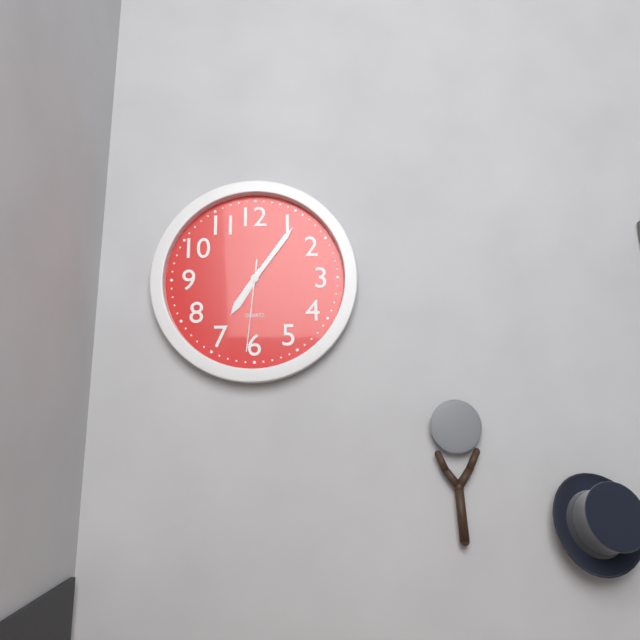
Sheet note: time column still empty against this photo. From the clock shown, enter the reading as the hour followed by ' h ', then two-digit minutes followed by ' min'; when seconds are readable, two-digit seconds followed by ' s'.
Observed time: 7 h 06 min 31 s
